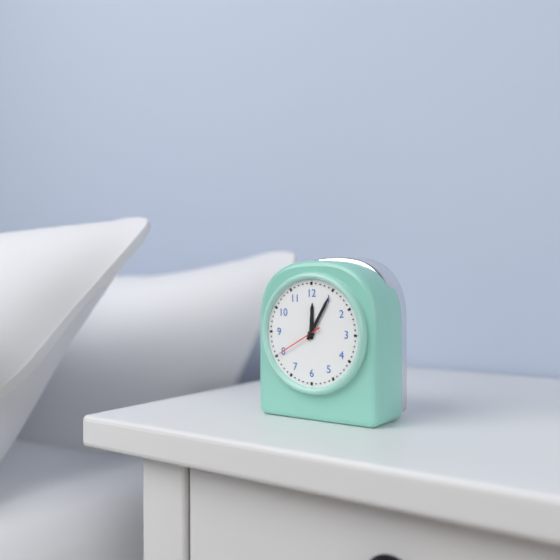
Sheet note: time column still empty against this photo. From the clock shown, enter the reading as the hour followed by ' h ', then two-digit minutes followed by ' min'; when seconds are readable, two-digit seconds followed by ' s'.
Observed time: 12 h 05 min
